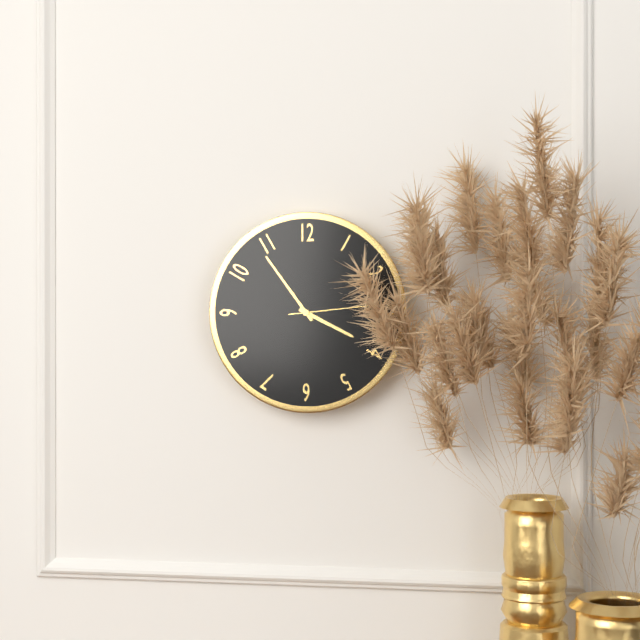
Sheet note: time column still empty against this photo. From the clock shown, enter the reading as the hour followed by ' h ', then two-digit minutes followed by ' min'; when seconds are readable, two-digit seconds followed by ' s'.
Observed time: 3 h 54 min 14 s
